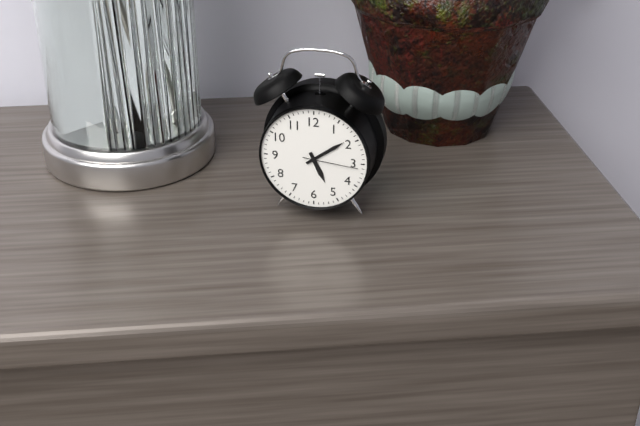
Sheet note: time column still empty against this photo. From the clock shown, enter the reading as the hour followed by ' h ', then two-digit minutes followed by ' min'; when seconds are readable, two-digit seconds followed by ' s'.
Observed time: 5 h 09 min 16 s
